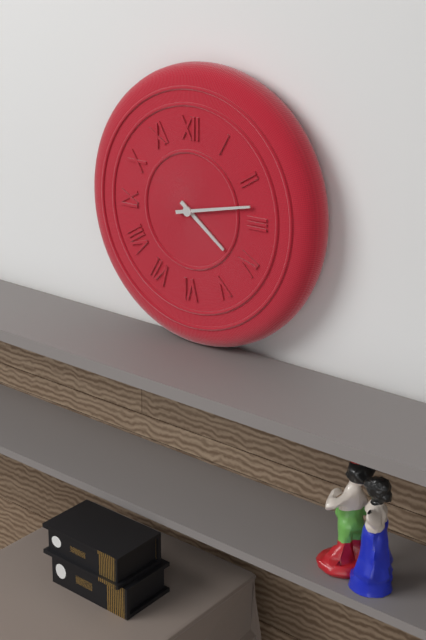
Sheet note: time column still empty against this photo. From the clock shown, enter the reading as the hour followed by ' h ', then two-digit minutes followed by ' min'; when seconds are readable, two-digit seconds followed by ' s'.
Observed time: 4 h 13 min
